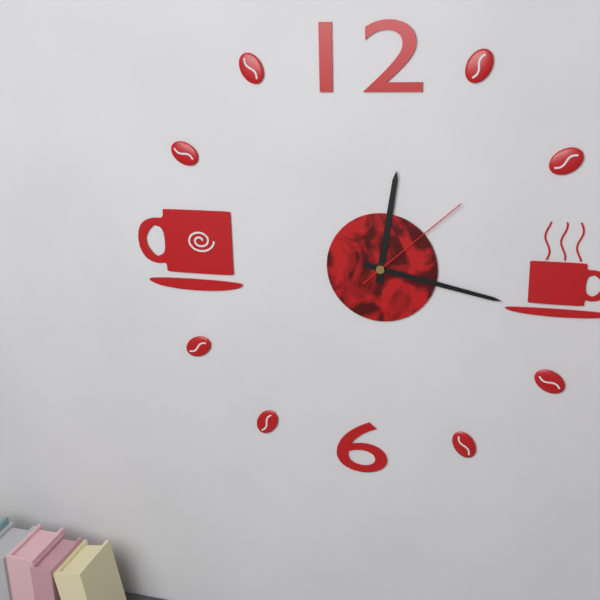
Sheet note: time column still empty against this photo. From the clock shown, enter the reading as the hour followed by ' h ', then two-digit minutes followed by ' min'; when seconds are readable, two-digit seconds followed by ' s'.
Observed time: 12 h 17 min 08 s
